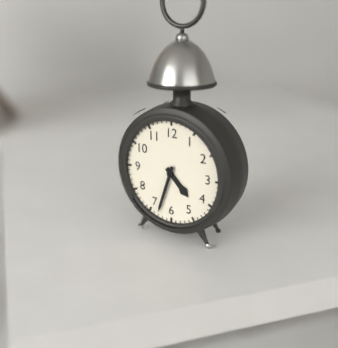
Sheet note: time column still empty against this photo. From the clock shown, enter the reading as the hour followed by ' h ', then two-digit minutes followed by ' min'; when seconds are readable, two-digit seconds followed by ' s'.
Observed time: 4 h 33 min
